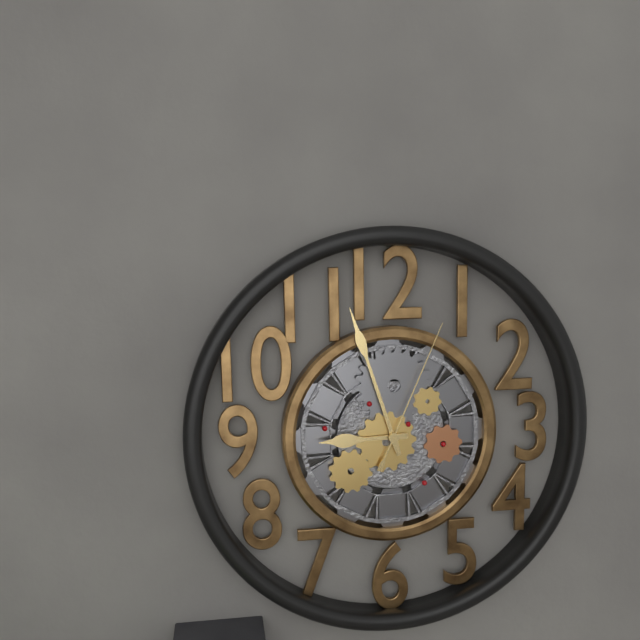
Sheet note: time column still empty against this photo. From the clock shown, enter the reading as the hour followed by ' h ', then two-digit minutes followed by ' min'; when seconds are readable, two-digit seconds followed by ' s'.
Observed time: 8 h 57 min 04 s
